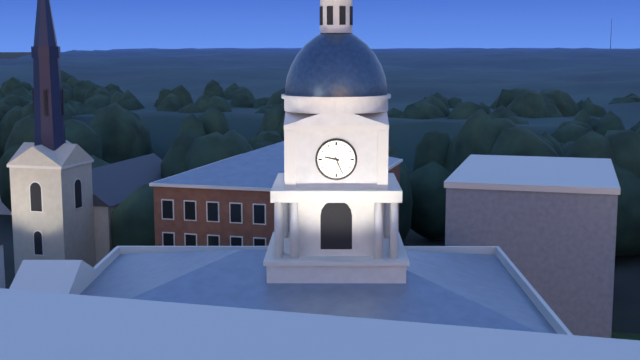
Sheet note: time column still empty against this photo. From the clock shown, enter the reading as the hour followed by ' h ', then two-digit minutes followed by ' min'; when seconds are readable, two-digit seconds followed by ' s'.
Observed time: 9 h 26 min
